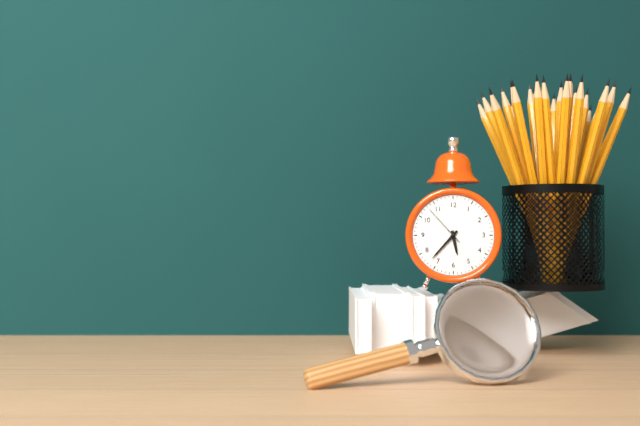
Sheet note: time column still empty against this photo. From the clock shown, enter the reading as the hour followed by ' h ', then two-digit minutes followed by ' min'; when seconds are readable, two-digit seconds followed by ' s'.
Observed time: 5 h 37 min
